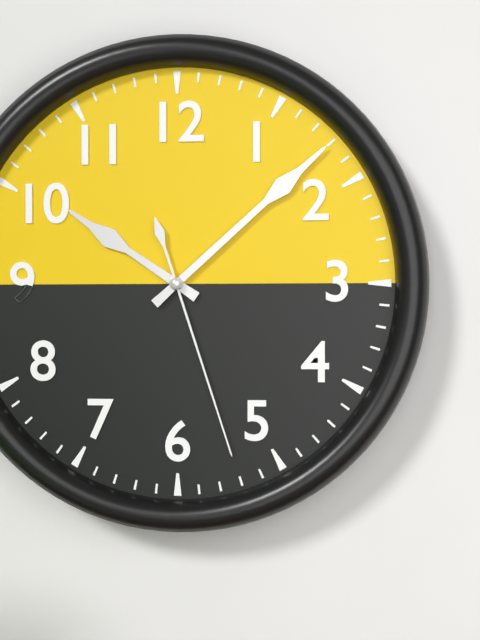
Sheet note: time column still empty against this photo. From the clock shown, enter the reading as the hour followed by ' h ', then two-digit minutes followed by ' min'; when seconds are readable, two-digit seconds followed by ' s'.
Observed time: 10 h 08 min 27 s
